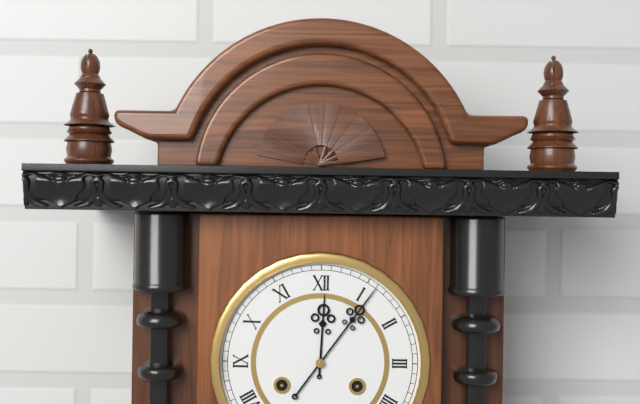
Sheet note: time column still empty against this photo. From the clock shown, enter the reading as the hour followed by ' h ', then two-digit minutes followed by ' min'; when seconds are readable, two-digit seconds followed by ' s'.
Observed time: 12 h 06 min
